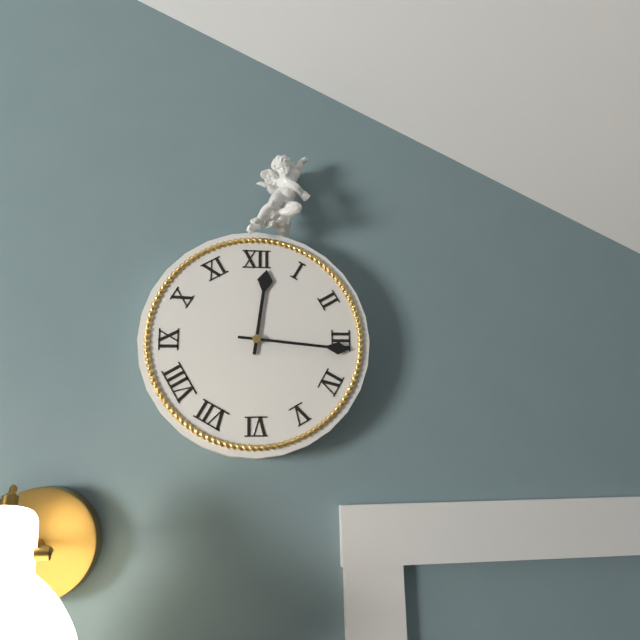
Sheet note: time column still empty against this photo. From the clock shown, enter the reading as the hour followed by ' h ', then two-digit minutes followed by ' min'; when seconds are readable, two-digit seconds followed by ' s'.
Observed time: 12 h 16 min
